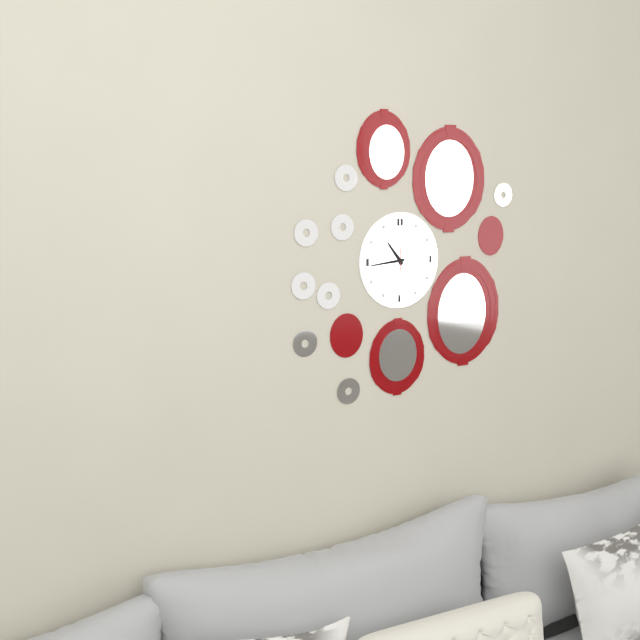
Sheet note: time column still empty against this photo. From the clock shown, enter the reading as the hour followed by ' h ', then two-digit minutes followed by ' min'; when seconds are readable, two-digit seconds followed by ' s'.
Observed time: 10 h 44 min 00 s
